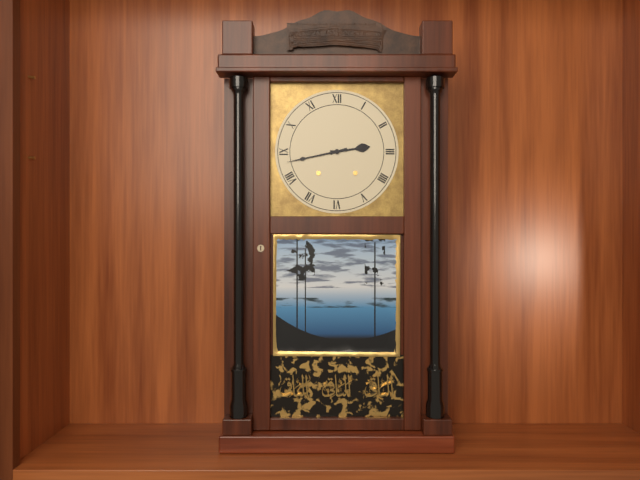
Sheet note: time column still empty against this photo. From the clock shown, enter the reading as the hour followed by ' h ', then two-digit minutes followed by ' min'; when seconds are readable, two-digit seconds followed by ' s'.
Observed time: 2 h 43 min
